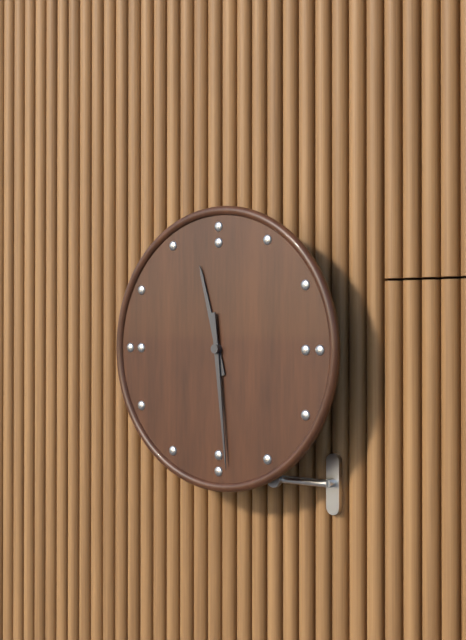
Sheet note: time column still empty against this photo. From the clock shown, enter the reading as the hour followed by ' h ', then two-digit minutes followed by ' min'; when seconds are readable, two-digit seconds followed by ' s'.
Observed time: 11 h 29 min
